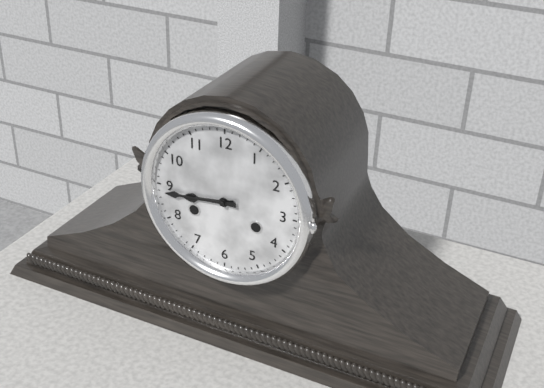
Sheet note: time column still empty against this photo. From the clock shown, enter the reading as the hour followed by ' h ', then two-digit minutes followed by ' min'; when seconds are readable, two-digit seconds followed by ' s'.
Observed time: 8 h 44 min
